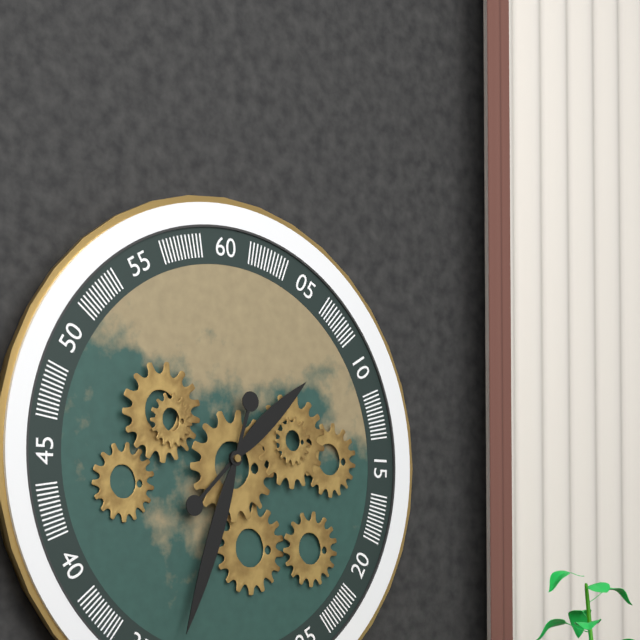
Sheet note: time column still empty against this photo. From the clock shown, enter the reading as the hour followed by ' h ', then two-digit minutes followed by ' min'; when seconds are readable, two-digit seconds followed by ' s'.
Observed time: 1 h 33 min
